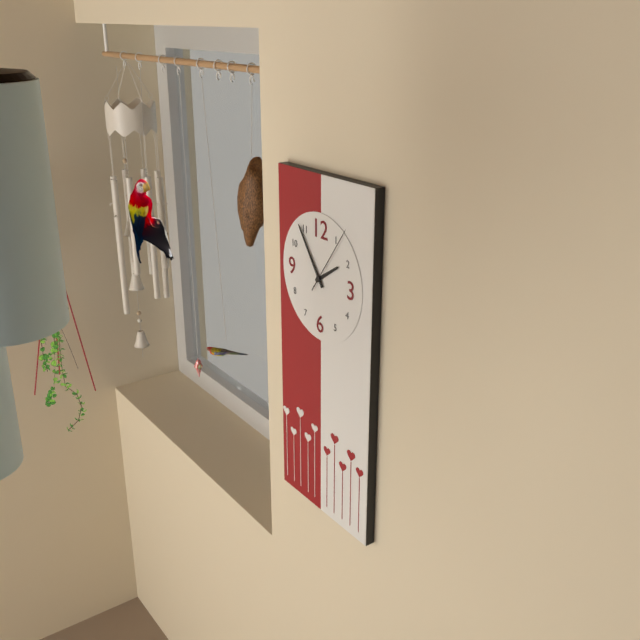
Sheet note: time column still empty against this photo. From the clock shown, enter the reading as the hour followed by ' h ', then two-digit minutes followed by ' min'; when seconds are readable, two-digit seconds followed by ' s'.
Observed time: 1 h 54 min 06 s
